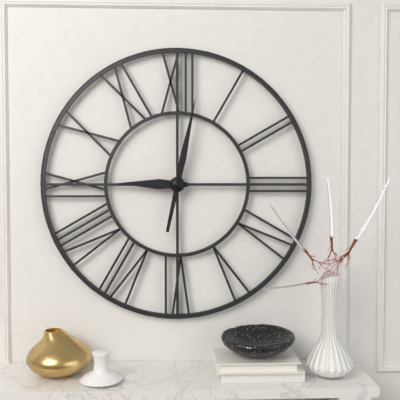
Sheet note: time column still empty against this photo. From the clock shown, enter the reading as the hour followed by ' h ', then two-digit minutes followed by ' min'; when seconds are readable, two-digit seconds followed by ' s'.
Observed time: 9 h 02 min
